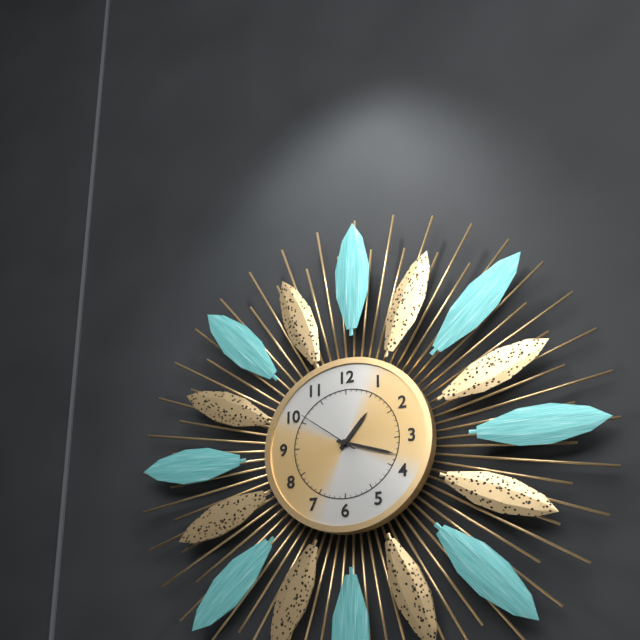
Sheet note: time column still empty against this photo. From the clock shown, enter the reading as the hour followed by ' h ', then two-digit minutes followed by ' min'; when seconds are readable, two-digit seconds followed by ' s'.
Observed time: 1 h 18 min 51 s
